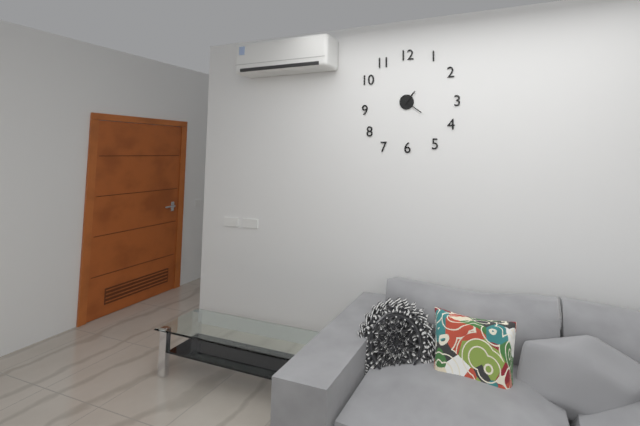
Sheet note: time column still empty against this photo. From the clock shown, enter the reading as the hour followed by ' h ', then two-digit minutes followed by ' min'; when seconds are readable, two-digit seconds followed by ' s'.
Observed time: 1 h 21 min
